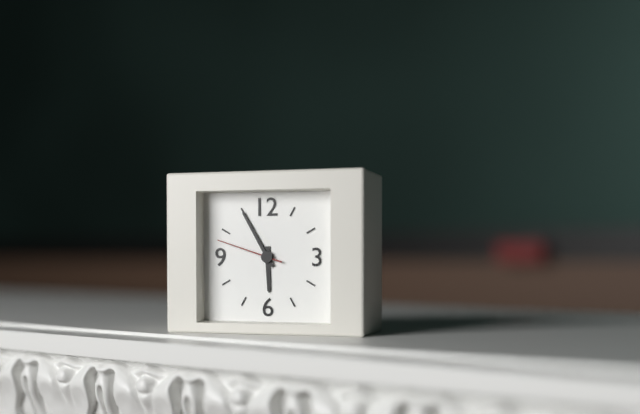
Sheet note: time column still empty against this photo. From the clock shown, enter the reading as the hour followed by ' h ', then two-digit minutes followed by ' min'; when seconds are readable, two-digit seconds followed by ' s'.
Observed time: 5 h 55 min 48 s
